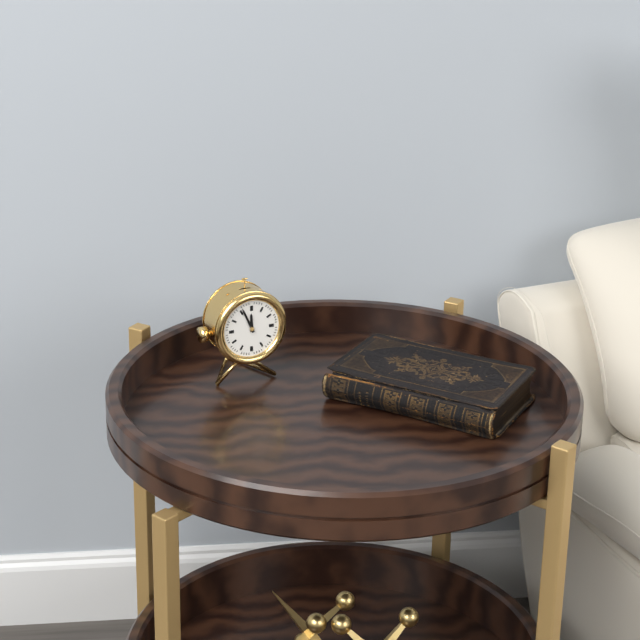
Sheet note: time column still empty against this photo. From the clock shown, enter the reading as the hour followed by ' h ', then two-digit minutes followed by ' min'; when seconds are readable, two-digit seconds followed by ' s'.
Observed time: 11 h 56 min
